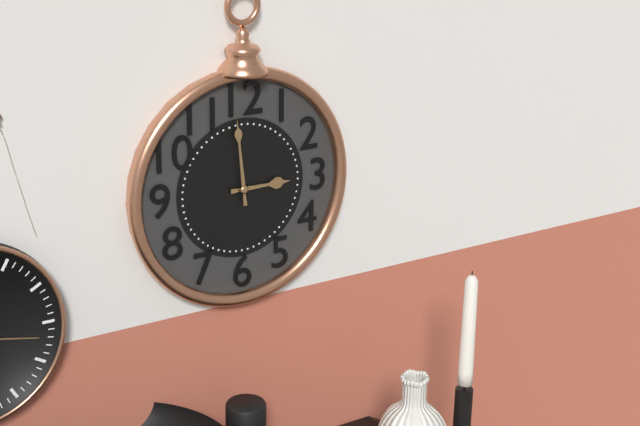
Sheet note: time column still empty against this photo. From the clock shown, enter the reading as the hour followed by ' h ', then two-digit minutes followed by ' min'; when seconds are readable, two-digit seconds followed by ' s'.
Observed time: 2 h 59 min
